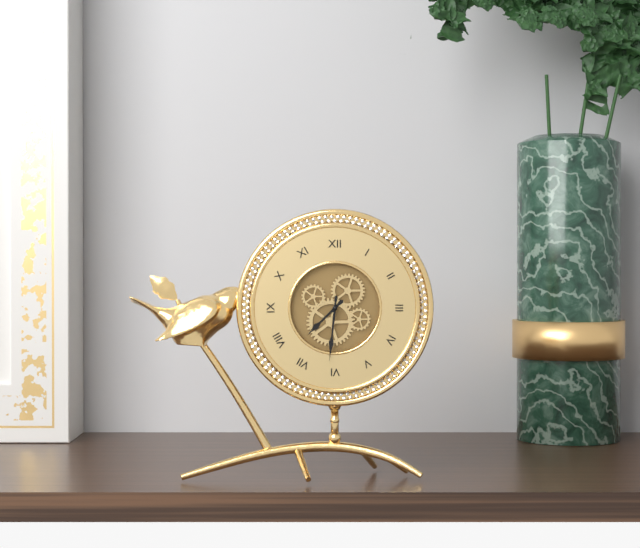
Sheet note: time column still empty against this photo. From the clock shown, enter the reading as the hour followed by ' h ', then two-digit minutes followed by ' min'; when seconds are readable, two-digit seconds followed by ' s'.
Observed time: 7 h 31 min
